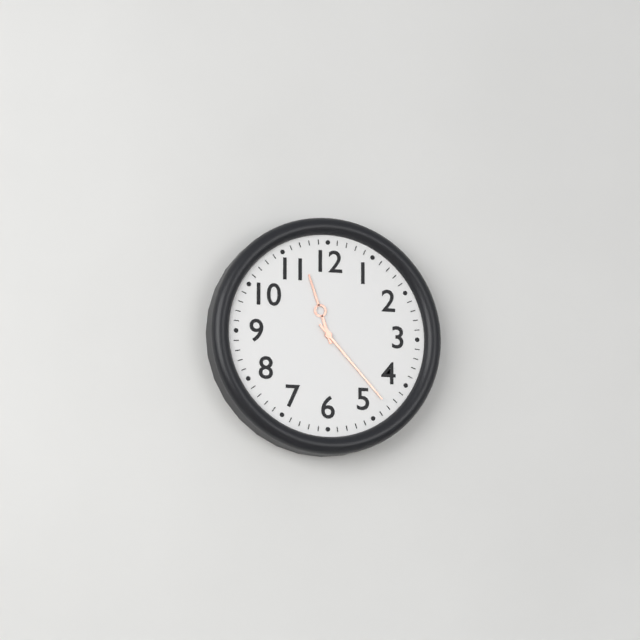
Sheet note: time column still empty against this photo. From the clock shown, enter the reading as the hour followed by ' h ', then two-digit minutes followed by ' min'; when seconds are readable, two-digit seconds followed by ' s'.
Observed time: 11 h 23 min
